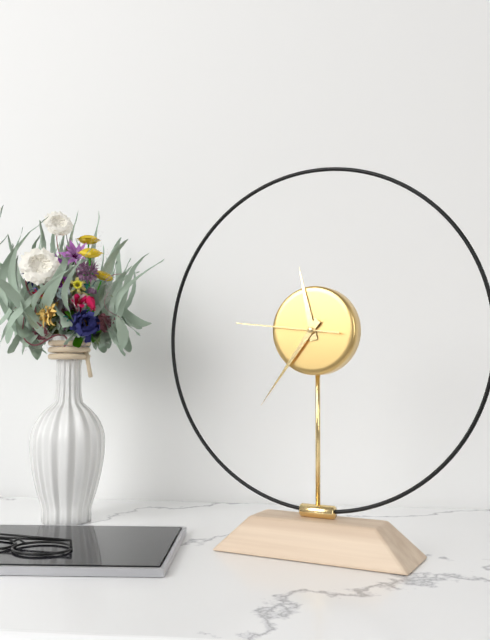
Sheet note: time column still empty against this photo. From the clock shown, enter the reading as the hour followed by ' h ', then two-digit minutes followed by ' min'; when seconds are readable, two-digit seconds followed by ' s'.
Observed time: 11 h 36 min 46 s
